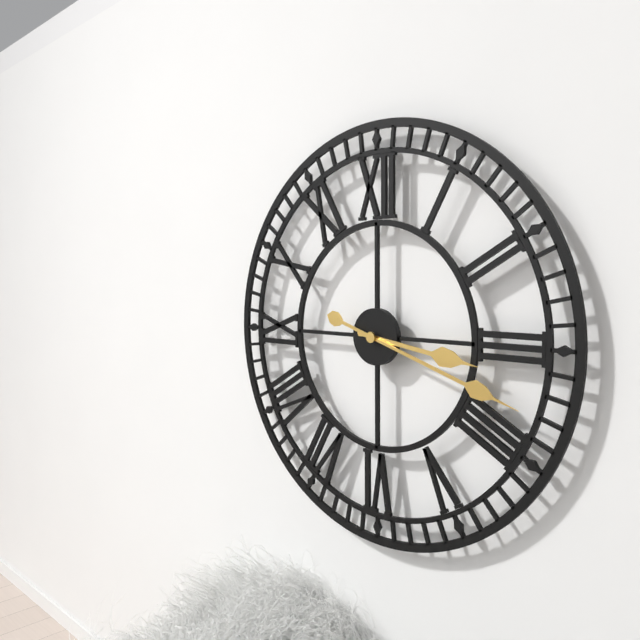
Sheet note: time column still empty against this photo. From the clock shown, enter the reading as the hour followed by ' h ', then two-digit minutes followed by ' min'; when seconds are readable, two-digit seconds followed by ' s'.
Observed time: 3 h 18 min
